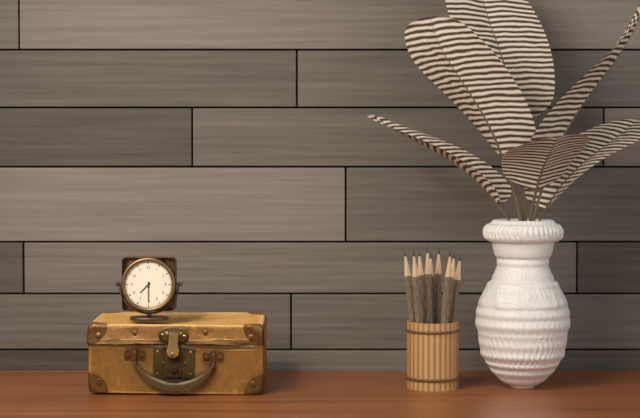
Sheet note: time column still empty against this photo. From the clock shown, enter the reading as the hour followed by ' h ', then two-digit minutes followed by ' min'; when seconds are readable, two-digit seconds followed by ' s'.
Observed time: 7 h 30 min
